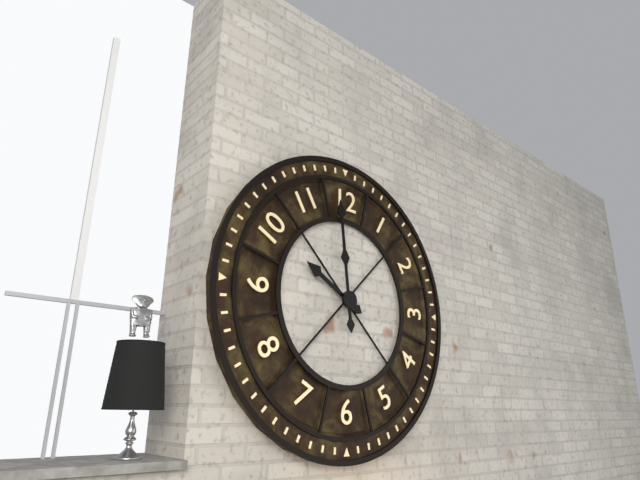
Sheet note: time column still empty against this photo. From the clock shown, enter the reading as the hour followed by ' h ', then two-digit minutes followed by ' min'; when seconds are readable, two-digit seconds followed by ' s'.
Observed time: 9 h 59 min
